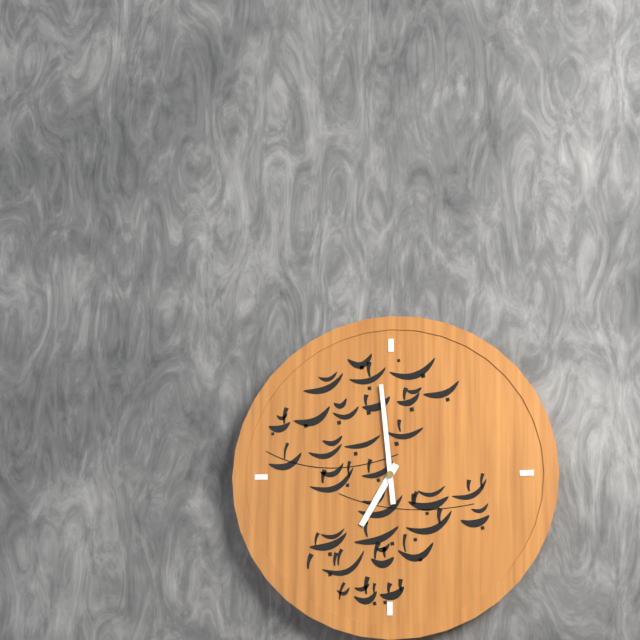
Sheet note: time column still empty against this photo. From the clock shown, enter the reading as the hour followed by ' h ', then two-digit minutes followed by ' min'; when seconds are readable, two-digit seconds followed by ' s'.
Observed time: 6 h 59 min
